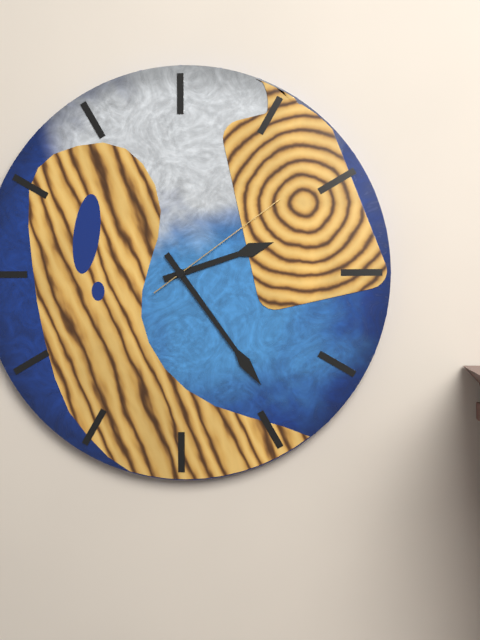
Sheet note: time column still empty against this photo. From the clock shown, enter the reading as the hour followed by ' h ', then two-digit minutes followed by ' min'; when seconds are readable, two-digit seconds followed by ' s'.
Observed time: 2 h 24 min 09 s
